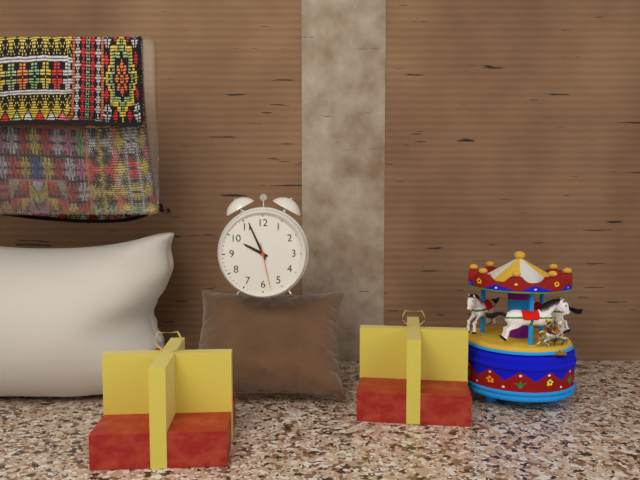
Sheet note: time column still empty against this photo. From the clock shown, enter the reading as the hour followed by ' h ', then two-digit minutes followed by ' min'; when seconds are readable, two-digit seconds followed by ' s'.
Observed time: 9 h 56 min
